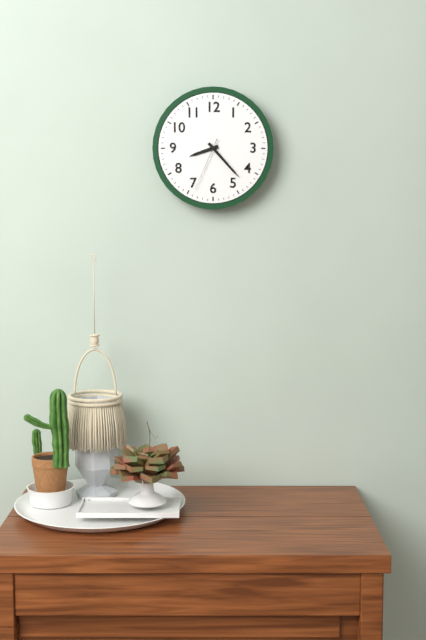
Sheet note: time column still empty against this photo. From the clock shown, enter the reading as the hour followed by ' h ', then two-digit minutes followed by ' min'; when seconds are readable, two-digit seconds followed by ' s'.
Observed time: 8 h 23 min 34 s
